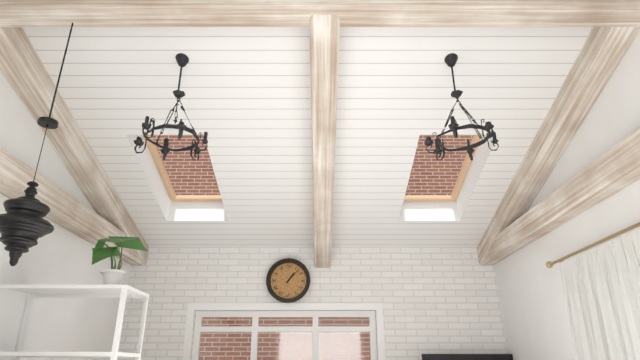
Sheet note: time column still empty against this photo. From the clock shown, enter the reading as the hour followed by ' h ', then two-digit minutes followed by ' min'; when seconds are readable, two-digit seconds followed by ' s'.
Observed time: 1 h 07 min
